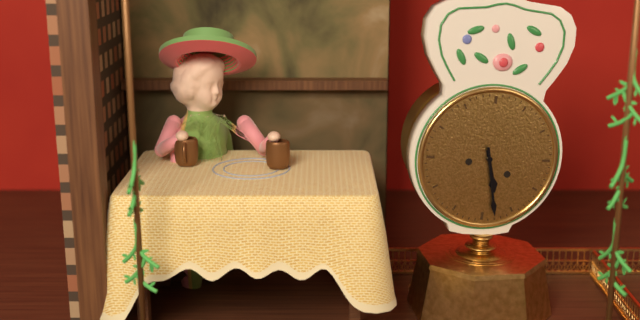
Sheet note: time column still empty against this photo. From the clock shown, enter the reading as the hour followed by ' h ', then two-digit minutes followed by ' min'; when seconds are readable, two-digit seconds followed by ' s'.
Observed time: 5 h 28 min
